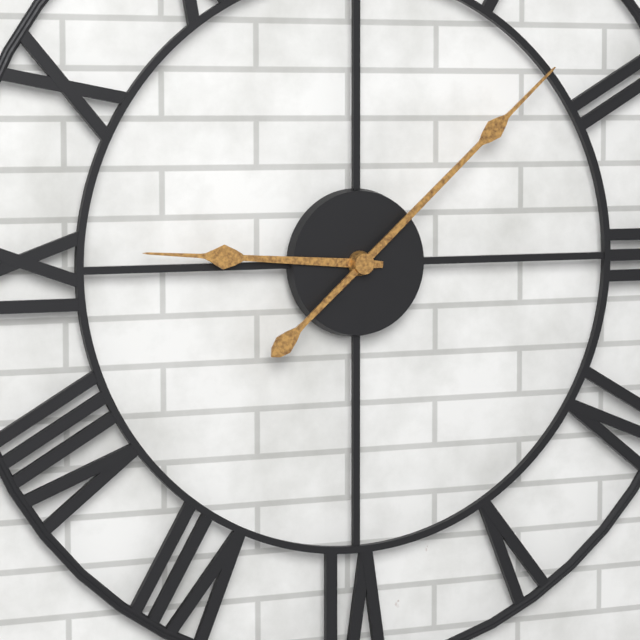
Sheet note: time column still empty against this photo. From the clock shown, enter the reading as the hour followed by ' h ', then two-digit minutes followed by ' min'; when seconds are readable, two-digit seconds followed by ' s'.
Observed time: 9 h 08 min
